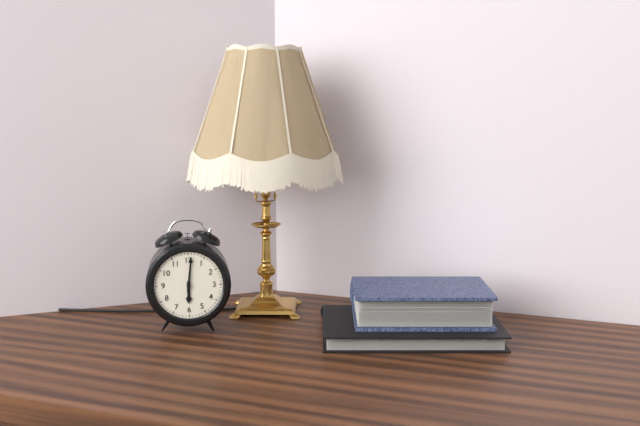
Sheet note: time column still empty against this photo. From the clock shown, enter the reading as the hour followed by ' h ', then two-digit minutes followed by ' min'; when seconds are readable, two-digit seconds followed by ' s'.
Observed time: 6 h 01 min
